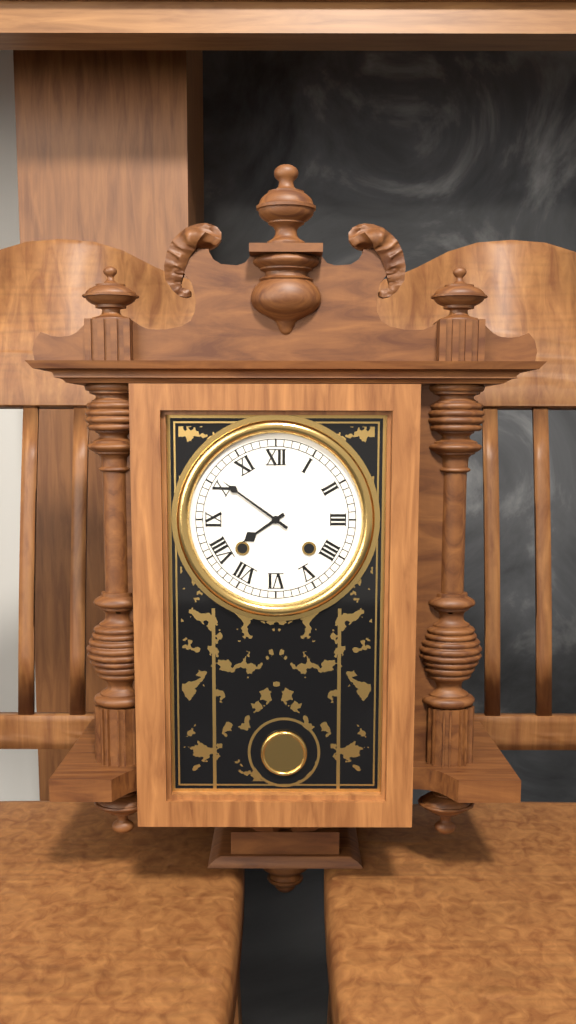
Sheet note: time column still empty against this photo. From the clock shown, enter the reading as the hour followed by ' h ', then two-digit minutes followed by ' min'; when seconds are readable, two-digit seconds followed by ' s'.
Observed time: 7 h 51 min
